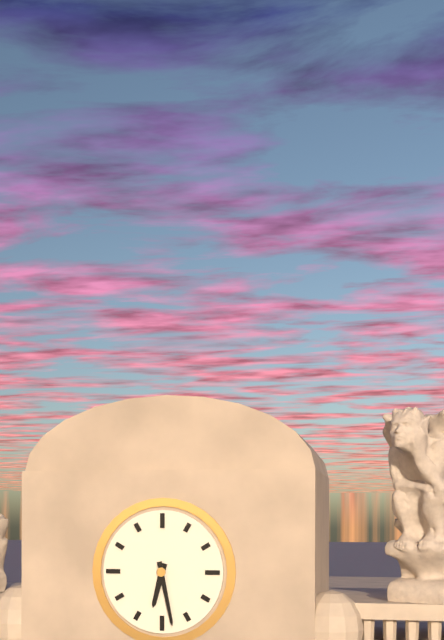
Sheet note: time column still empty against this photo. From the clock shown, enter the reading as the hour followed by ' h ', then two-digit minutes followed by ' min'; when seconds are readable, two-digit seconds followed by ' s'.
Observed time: 6 h 28 min
